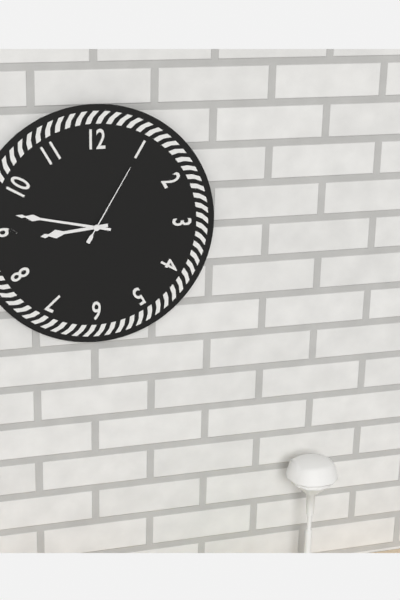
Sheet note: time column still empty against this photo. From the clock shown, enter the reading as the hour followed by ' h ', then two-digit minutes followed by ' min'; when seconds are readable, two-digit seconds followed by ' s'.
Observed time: 8 h 47 min 05 s
